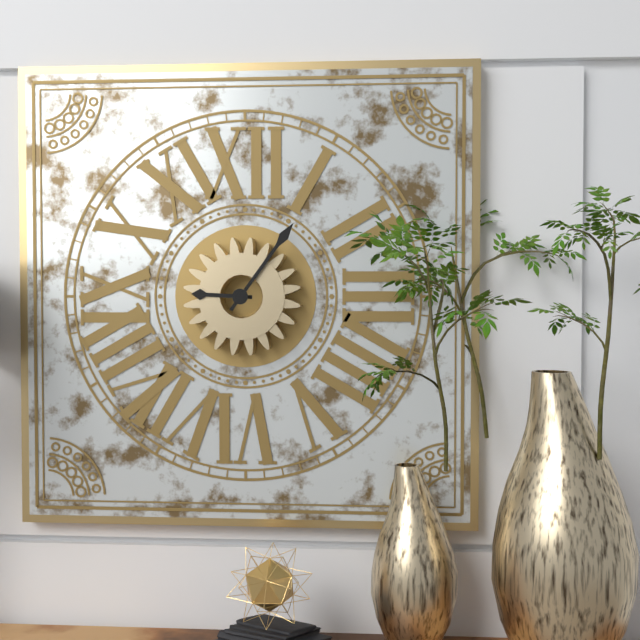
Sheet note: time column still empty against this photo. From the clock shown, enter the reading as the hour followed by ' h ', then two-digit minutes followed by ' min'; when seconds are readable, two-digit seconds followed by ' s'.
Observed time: 9 h 06 min
